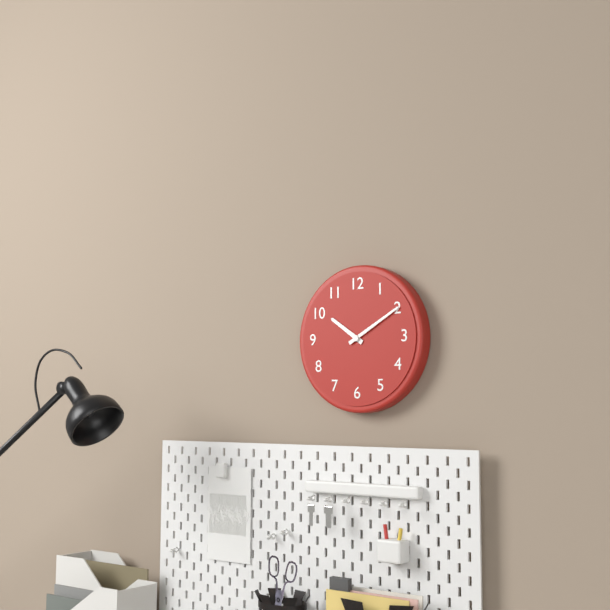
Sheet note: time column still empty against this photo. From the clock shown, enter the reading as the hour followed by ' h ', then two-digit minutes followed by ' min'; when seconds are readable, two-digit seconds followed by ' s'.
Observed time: 10 h 10 min
